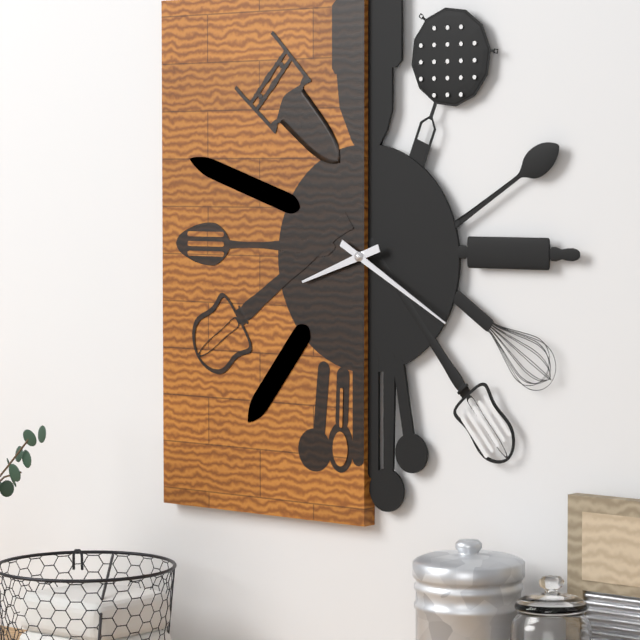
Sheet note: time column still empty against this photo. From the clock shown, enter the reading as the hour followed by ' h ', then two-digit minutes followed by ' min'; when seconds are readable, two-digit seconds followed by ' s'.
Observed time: 8 h 20 min
